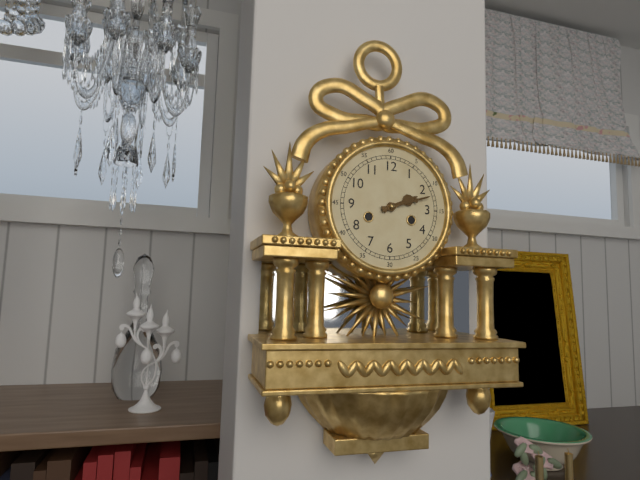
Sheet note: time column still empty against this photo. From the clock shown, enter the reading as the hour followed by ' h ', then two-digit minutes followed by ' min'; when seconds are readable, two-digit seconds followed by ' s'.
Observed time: 2 h 12 min
